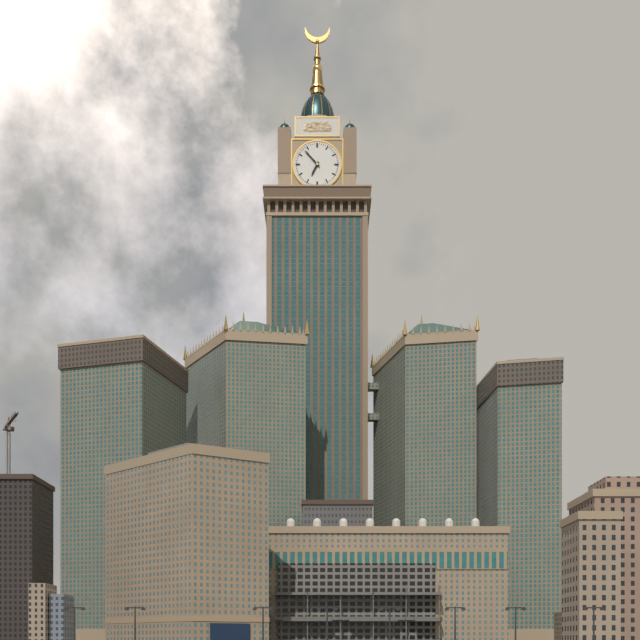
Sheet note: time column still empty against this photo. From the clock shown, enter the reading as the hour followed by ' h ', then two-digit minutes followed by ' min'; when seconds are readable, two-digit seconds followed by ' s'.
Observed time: 6 h 53 min
